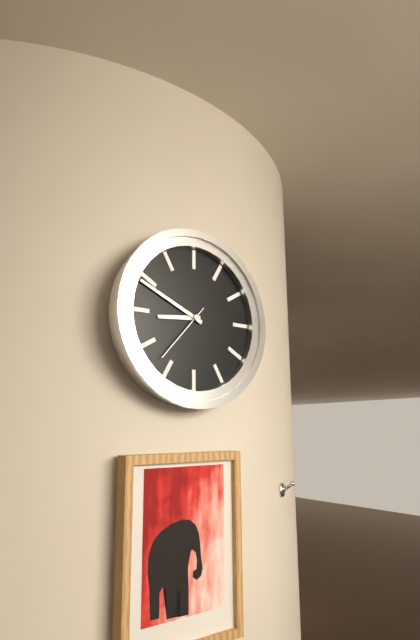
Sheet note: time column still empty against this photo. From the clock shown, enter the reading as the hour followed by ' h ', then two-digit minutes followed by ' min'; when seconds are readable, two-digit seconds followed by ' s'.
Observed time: 8 h 49 min 37 s
